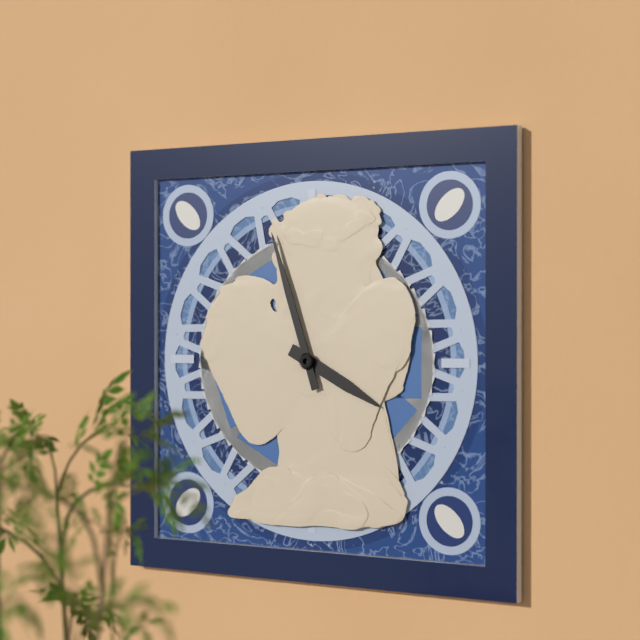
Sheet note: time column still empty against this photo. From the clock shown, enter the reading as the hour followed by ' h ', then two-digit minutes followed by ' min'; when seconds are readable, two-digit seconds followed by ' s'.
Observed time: 3 h 57 min
